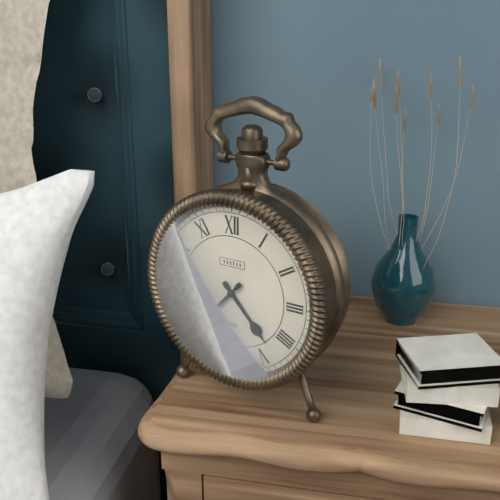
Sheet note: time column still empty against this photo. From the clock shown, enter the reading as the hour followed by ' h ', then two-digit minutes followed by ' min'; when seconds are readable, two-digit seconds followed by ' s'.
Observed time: 4 h 37 min
